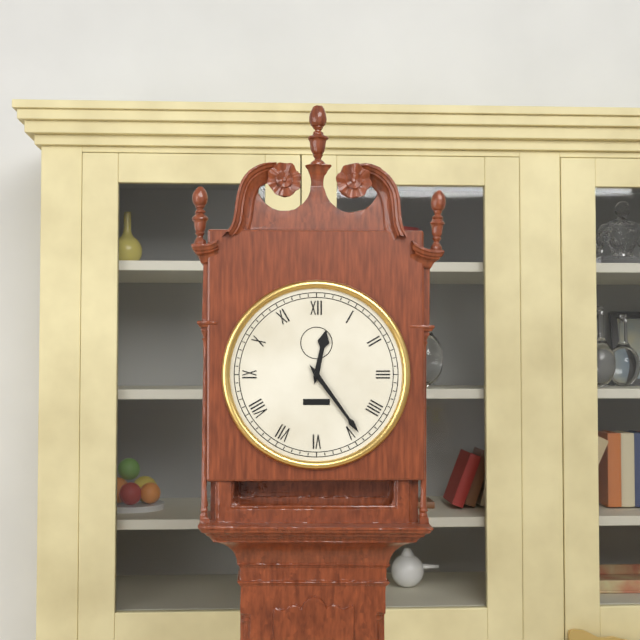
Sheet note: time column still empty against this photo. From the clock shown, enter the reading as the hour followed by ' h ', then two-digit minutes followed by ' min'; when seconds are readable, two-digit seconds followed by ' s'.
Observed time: 12 h 24 min
